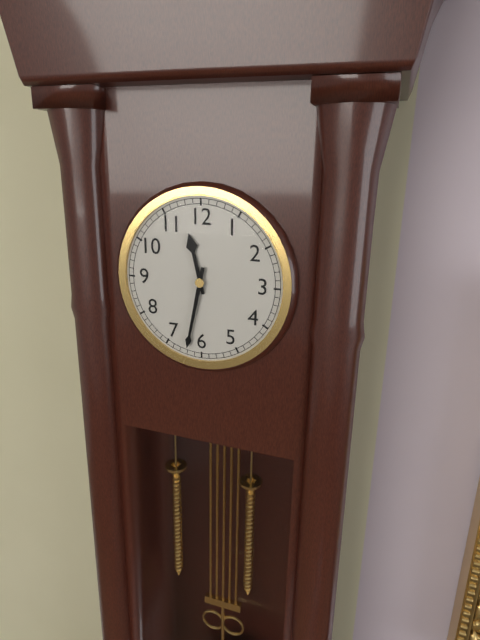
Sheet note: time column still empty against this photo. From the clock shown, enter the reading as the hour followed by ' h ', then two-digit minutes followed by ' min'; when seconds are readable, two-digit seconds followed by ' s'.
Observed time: 11 h 32 min
